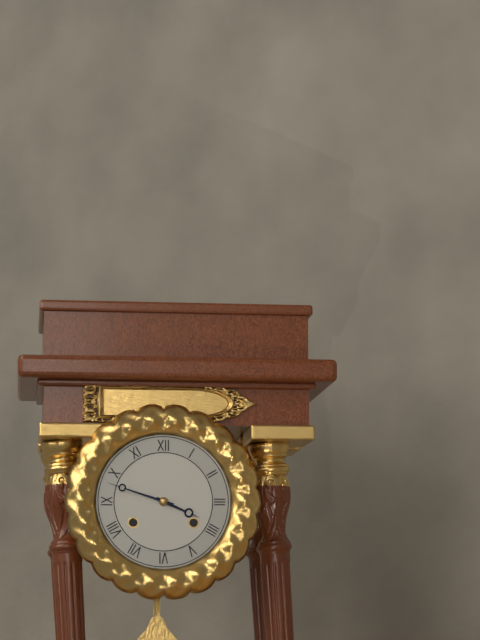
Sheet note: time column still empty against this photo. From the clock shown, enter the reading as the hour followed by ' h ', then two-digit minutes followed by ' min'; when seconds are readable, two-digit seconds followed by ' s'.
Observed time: 3 h 48 min
